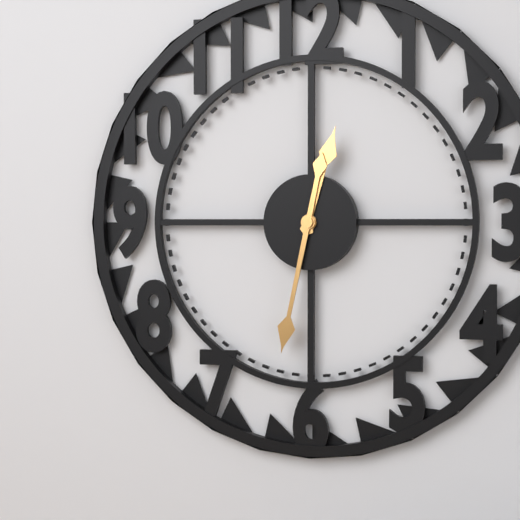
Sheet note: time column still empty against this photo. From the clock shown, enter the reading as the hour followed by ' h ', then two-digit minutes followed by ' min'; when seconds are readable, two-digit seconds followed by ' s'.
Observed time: 12 h 32 min
